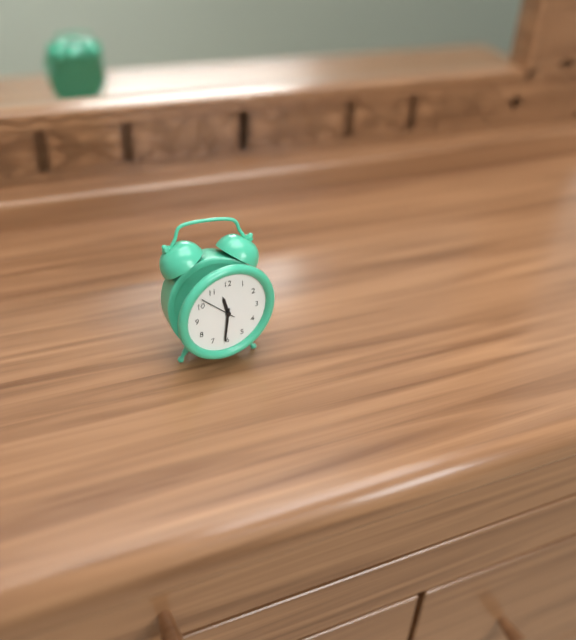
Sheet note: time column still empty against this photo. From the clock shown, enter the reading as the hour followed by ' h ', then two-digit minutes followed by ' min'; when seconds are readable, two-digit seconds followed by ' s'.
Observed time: 11 h 31 min
